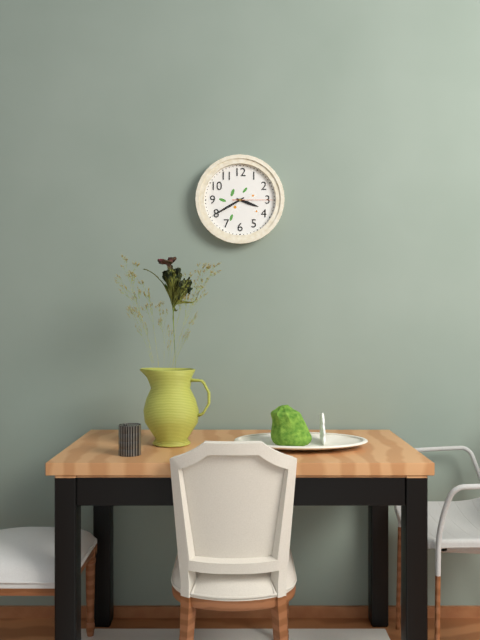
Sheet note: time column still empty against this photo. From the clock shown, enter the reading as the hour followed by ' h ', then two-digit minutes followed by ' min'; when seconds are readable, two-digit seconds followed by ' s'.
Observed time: 3 h 40 min
